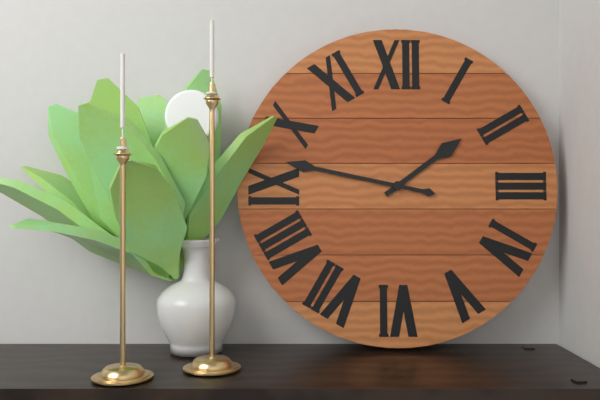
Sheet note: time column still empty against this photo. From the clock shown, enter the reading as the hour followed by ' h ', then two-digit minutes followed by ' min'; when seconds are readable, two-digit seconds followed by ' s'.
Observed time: 1 h 47 min
